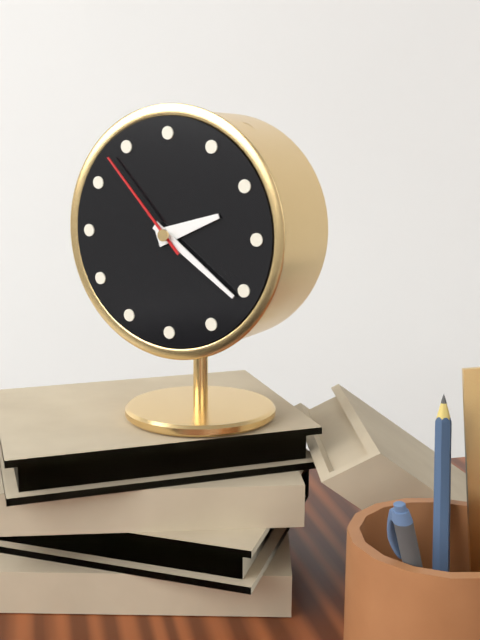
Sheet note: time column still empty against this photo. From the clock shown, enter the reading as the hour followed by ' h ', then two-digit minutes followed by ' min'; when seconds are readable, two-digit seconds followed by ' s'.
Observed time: 2 h 21 min 53 s
